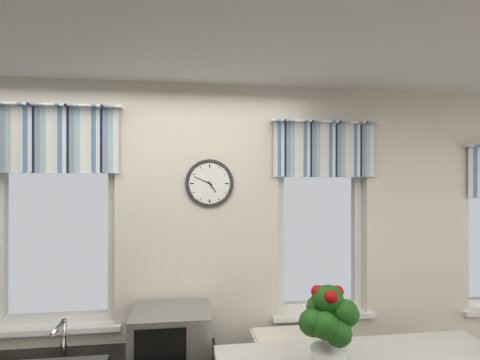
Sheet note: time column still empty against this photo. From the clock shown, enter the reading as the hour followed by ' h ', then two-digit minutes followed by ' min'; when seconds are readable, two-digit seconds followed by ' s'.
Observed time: 4 h 49 min
